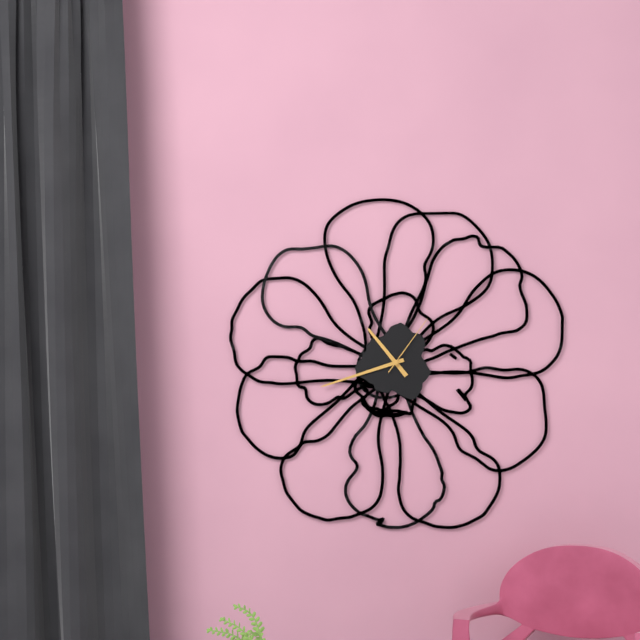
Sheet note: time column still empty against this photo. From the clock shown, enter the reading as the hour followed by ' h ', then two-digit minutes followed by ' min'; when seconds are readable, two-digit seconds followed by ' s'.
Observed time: 10 h 42 min 06 s
